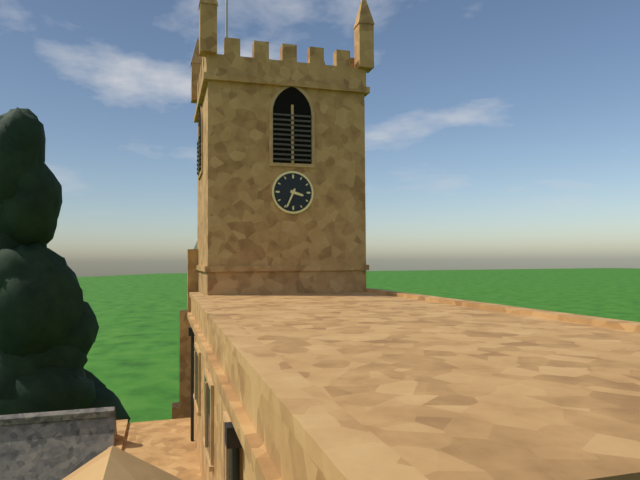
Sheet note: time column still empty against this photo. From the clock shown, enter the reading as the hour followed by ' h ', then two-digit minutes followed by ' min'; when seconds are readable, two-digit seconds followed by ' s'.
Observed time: 3 h 34 min
